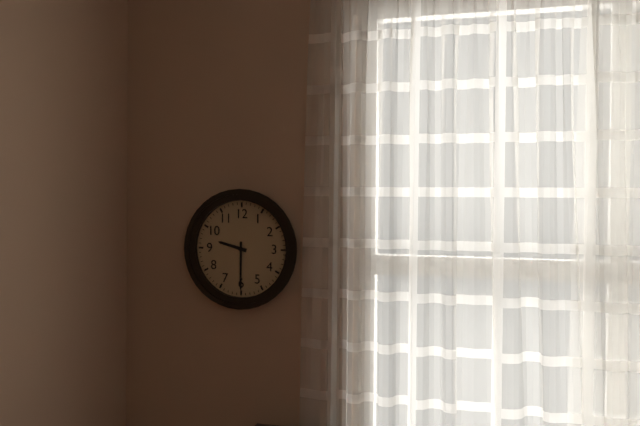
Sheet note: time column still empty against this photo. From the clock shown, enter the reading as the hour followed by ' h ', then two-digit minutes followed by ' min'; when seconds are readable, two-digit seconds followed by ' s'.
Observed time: 9 h 30 min
